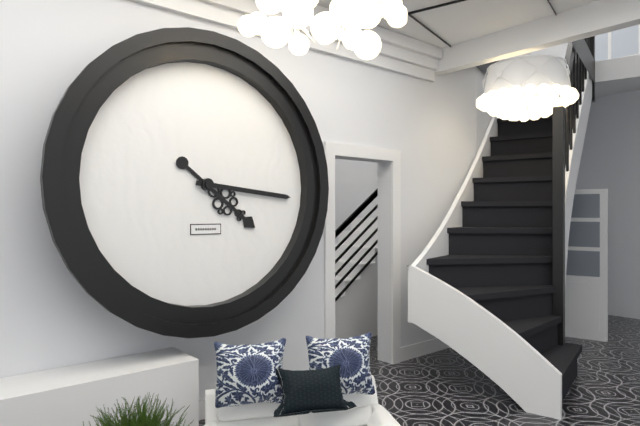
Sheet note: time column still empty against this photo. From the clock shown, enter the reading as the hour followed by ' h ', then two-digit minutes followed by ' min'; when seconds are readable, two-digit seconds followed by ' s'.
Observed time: 4 h 16 min
